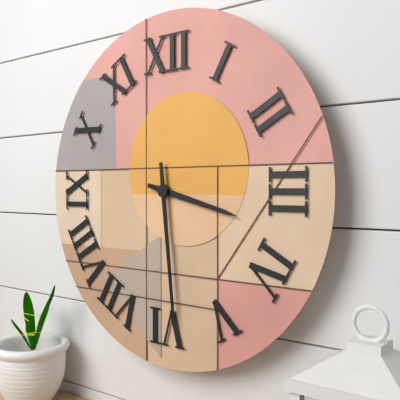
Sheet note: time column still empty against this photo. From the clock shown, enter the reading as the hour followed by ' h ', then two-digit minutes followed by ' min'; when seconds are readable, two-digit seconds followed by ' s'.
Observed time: 3 h 29 min
